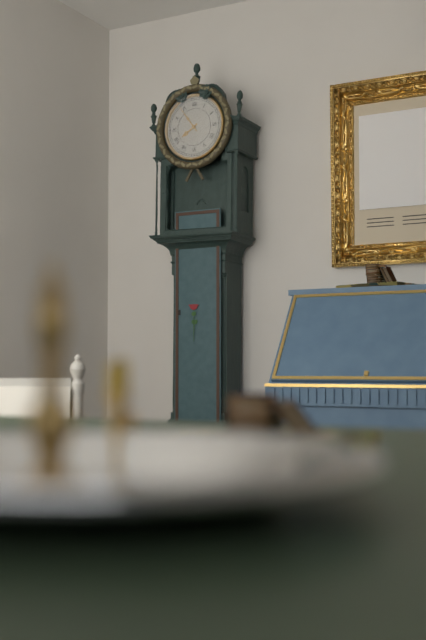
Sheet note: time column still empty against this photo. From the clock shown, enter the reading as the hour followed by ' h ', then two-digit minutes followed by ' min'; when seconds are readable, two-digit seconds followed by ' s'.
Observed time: 7 h 54 min
